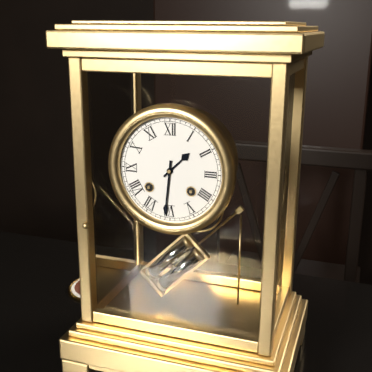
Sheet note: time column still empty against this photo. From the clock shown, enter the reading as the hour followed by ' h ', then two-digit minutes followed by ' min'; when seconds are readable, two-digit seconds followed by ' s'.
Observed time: 1 h 31 min
